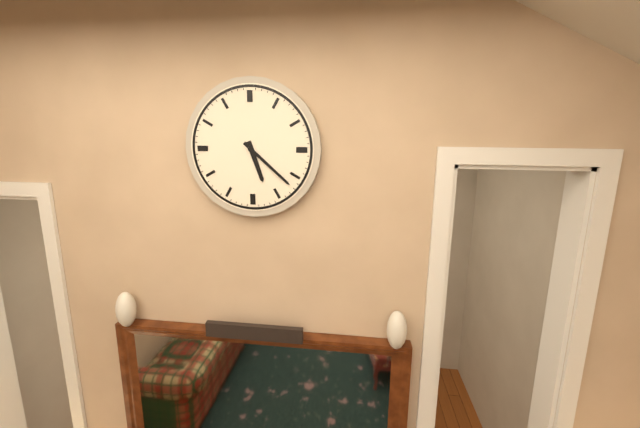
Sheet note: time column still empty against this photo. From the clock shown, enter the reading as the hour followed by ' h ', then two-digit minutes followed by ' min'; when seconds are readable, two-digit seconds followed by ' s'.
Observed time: 5 h 22 min
